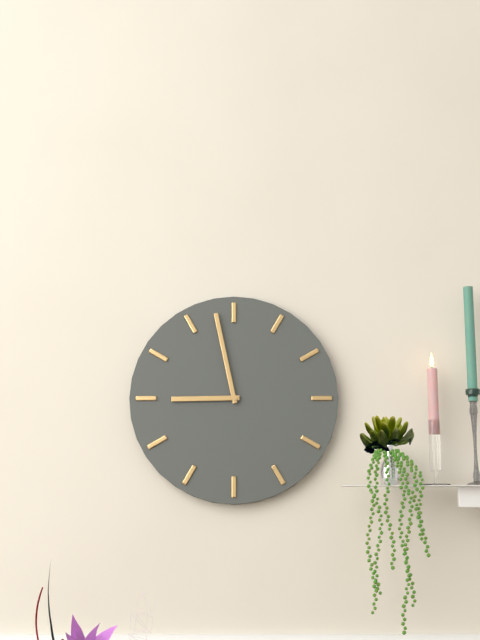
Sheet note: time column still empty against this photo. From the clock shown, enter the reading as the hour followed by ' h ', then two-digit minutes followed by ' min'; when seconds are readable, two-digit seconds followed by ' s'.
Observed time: 8 h 58 min
